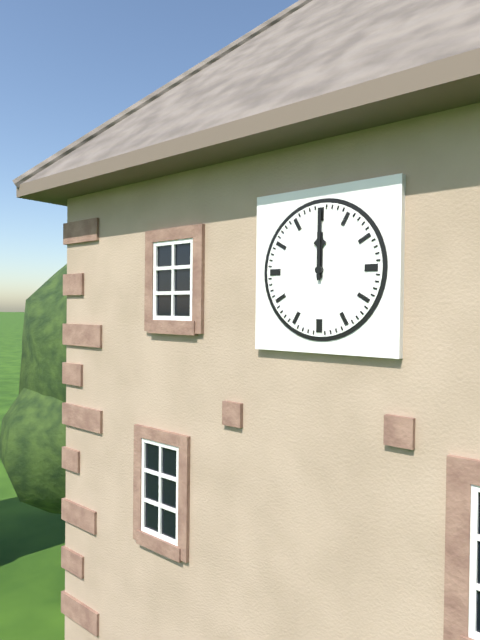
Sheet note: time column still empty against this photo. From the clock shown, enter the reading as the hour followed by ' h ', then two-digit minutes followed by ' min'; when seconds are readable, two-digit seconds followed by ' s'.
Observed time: 12 h 00 min
